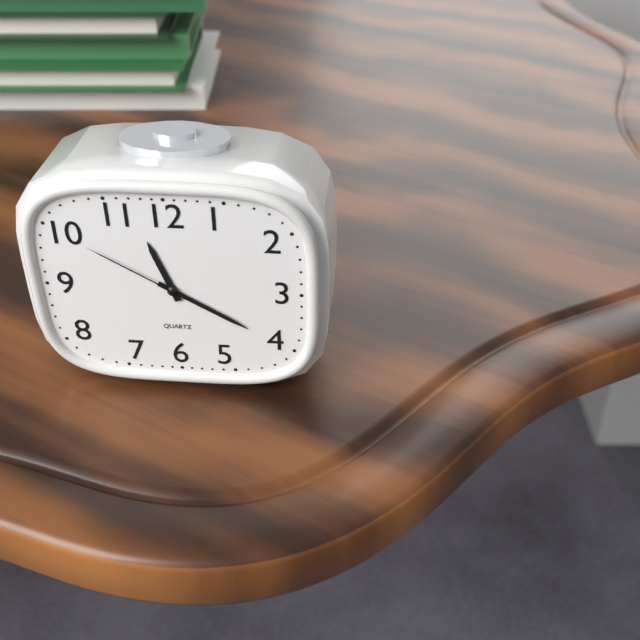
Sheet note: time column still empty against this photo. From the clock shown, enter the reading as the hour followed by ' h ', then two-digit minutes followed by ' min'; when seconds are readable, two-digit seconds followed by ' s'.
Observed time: 11 h 20 min 50 s
